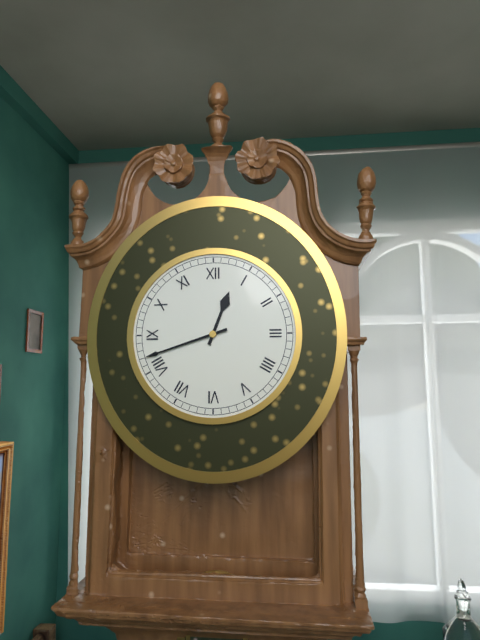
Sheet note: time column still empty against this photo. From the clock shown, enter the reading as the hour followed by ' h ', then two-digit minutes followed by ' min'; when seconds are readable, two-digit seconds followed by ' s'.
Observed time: 12 h 42 min
